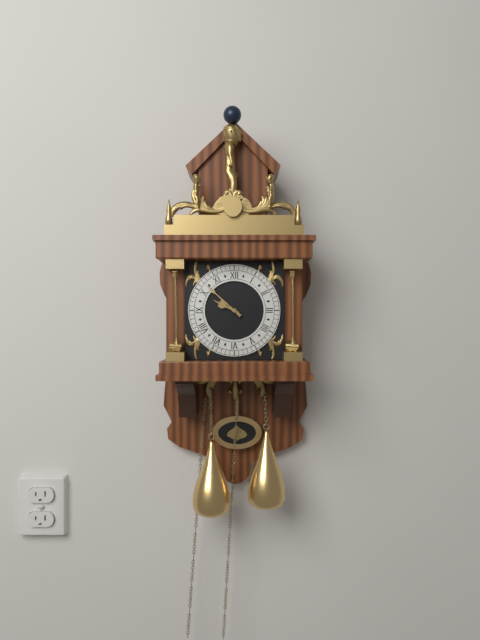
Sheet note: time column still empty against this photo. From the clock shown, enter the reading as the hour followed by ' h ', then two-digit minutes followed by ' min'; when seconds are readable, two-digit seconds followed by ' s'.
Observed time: 9 h 52 min
